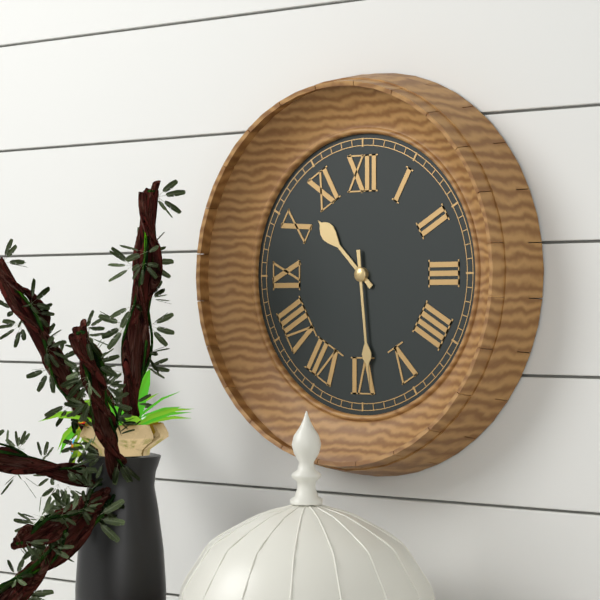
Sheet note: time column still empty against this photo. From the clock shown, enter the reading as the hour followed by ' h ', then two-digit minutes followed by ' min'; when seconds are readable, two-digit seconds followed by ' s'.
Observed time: 10 h 29 min
